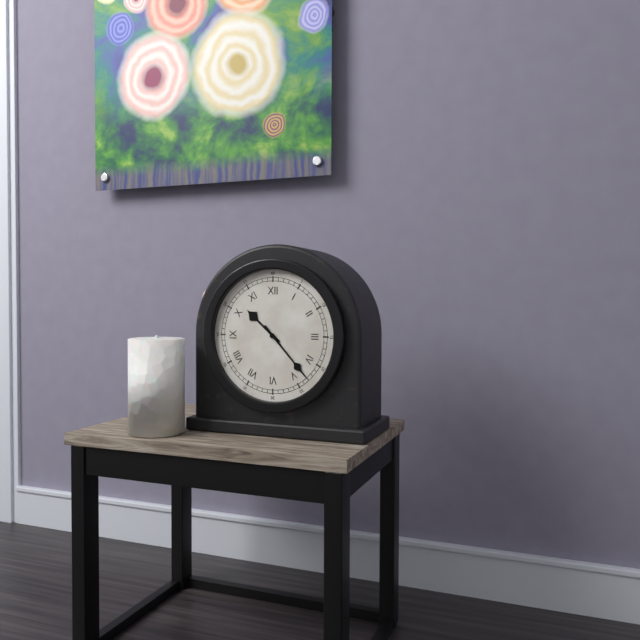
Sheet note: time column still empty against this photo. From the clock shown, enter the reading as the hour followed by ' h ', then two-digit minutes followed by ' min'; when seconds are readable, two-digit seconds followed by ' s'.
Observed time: 10 h 23 min
